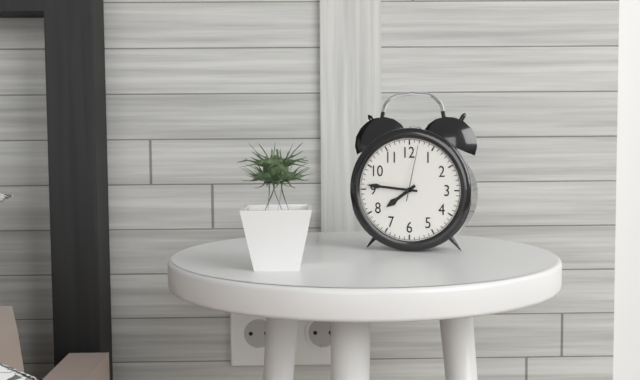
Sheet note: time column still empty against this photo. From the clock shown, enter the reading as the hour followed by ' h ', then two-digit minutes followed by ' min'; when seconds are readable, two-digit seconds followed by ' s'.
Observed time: 7 h 46 min 02 s
